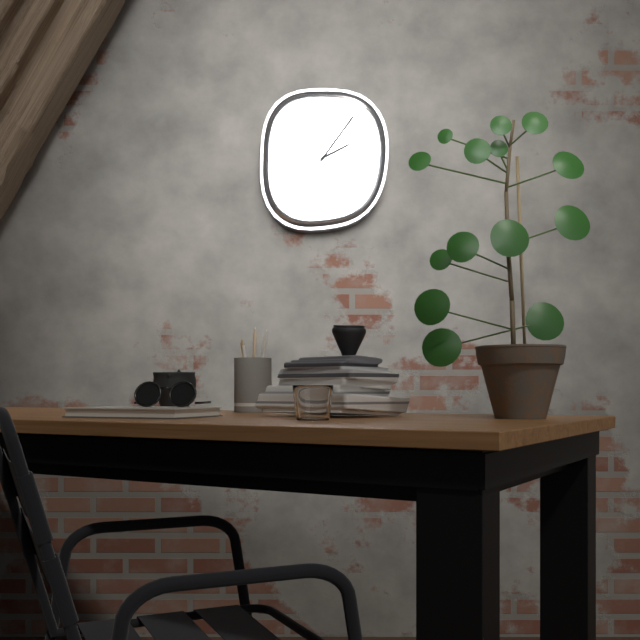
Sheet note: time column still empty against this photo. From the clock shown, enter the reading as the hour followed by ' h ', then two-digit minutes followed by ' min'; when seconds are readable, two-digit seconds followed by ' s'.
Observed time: 2 h 06 min
